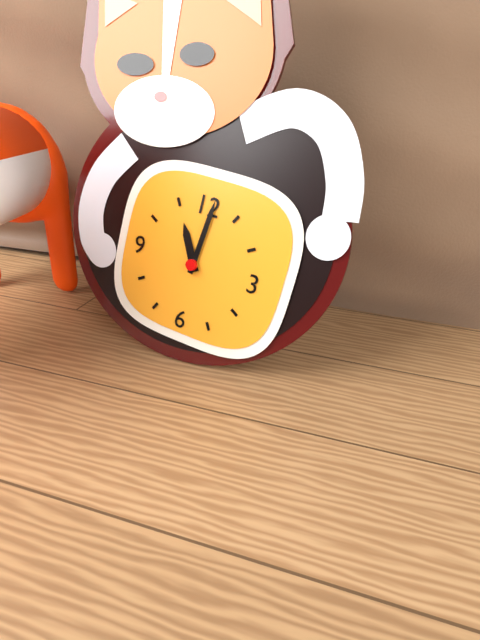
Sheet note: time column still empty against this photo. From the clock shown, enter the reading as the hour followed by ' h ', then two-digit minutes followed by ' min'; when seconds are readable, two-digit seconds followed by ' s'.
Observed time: 11 h 01 min
